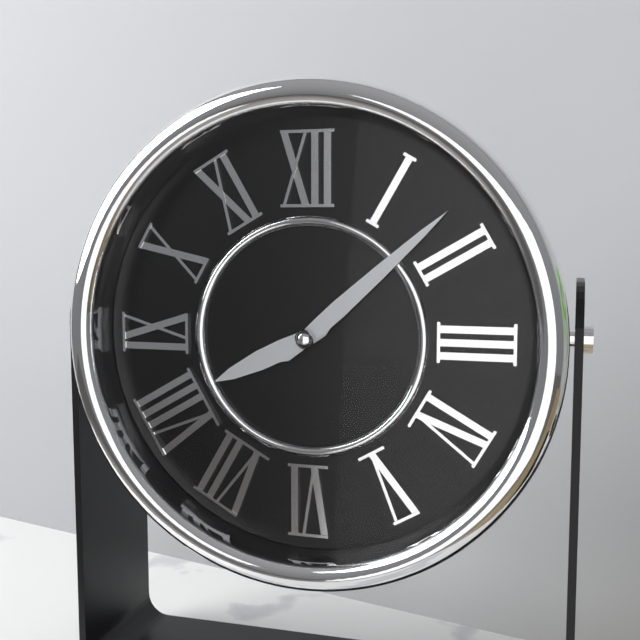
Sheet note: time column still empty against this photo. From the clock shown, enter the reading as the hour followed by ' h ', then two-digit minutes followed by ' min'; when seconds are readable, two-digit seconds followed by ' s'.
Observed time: 8 h 08 min
